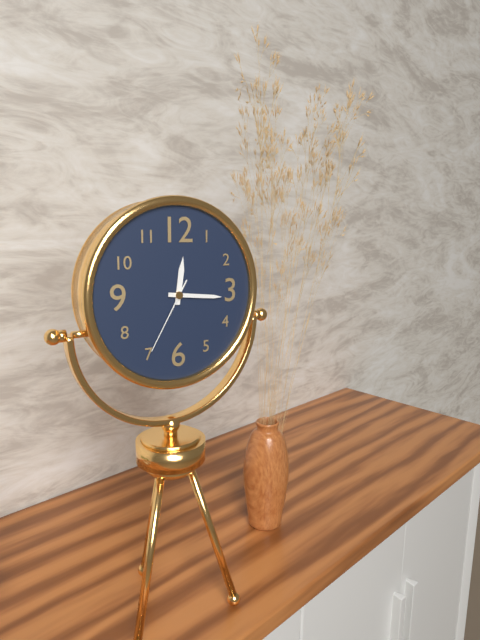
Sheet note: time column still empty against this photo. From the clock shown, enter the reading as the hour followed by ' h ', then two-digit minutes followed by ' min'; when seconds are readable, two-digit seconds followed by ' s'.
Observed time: 12 h 16 min 35 s
